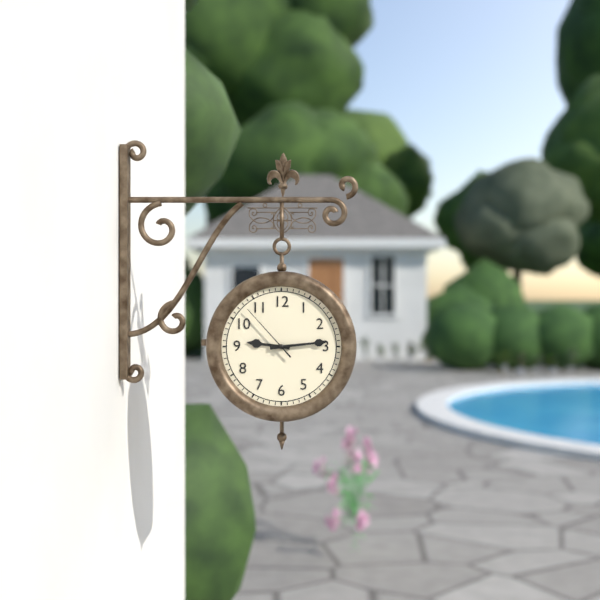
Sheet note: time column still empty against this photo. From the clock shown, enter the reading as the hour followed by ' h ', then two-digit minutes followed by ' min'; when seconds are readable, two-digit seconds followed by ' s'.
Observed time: 9 h 14 min 53 s
